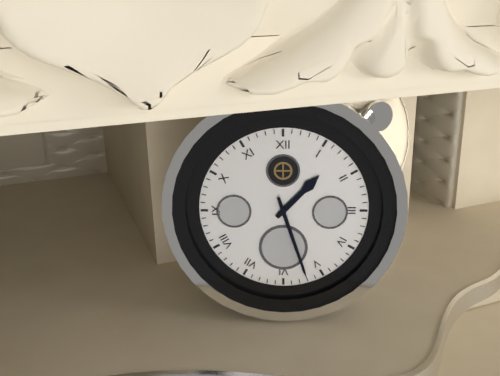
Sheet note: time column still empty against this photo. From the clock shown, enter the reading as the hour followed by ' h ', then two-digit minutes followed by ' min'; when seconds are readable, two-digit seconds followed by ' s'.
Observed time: 1 h 27 min
